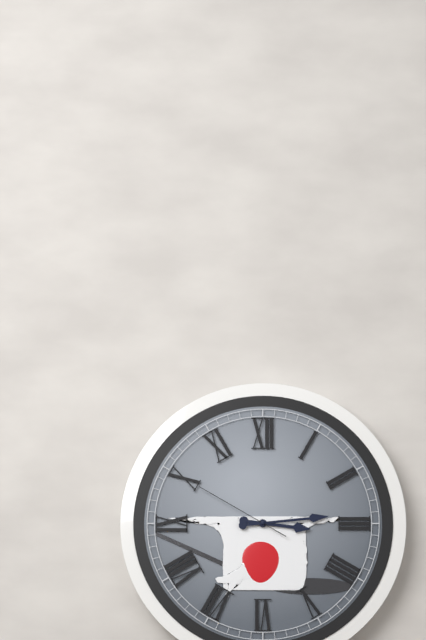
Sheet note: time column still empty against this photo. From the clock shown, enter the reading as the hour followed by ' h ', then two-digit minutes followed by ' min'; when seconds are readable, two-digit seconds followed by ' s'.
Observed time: 3 h 14 min 50 s
